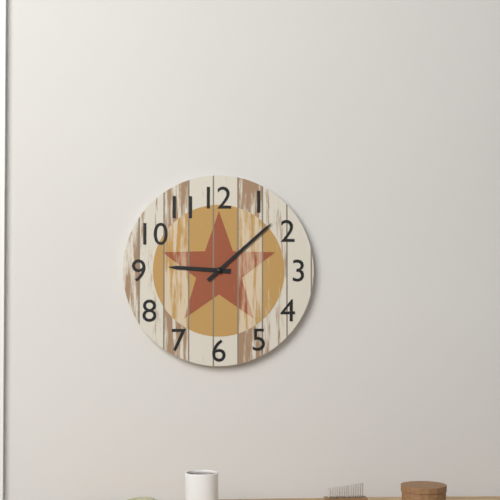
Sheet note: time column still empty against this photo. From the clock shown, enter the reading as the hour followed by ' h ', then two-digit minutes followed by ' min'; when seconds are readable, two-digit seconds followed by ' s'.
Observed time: 9 h 08 min
